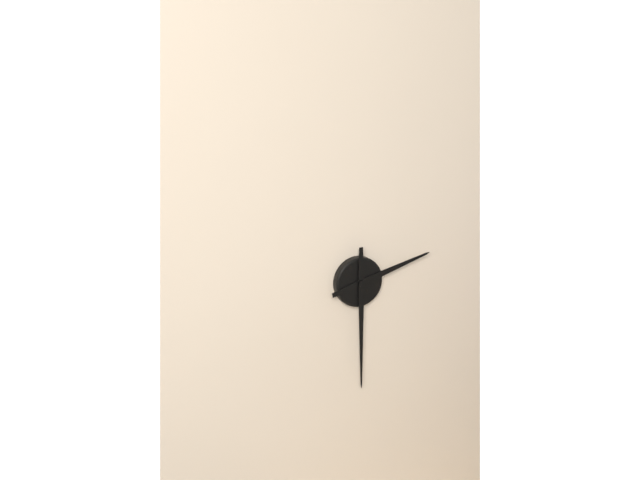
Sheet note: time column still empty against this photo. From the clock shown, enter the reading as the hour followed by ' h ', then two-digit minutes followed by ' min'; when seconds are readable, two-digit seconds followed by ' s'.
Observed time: 2 h 30 min
